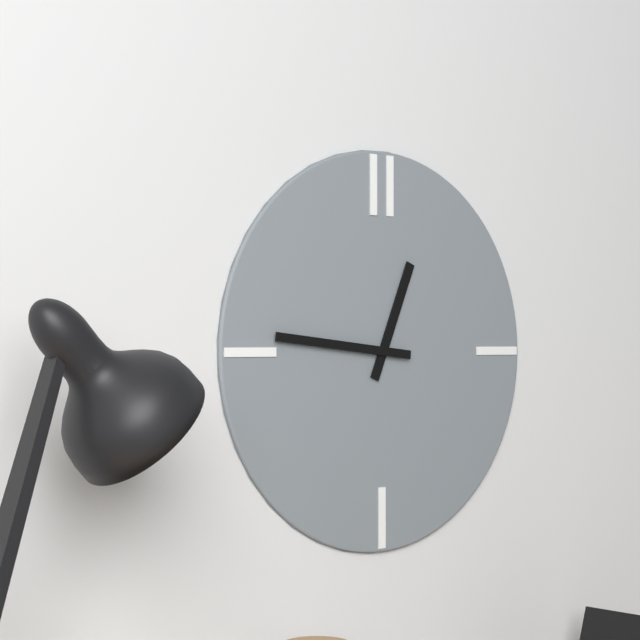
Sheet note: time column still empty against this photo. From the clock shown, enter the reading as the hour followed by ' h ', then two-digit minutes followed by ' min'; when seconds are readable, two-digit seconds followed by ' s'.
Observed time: 12 h 46 min
